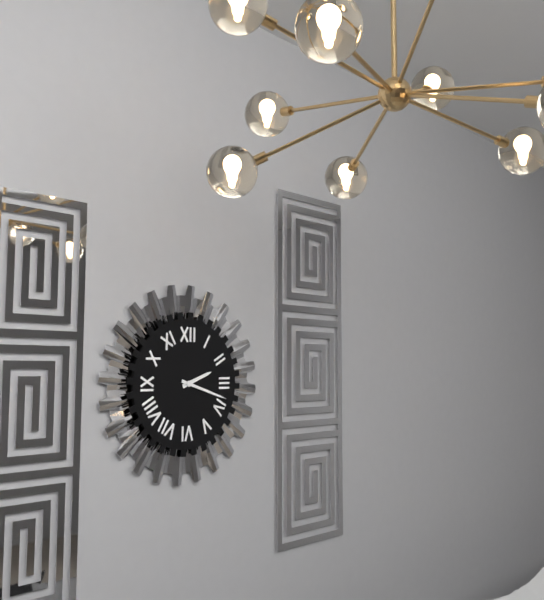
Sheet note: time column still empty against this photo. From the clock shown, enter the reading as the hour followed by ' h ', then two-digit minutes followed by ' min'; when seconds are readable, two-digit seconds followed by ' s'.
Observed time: 2 h 18 min
